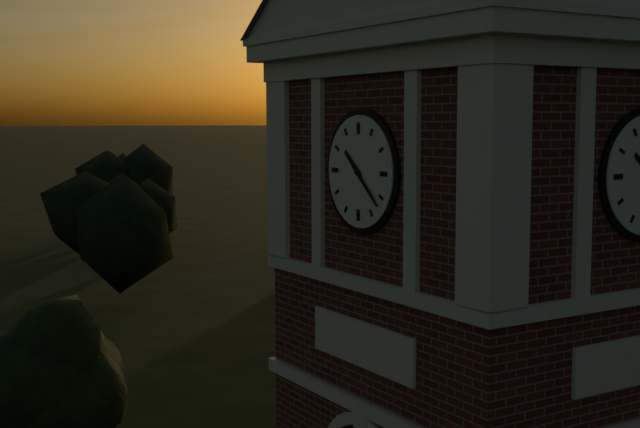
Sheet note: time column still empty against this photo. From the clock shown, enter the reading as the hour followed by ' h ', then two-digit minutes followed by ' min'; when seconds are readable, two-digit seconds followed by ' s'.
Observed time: 10 h 22 min
